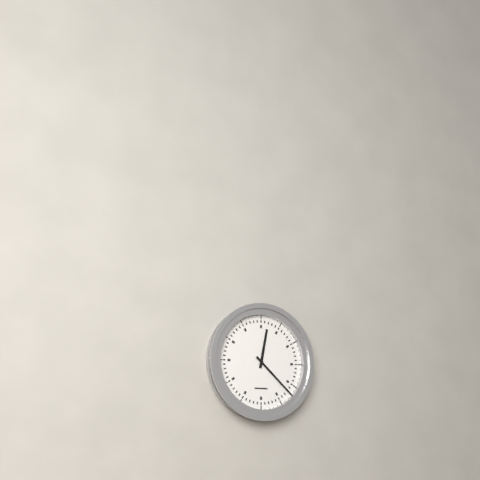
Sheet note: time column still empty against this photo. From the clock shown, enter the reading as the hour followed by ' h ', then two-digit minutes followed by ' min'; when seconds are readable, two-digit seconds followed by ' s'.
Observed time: 12 h 22 min
